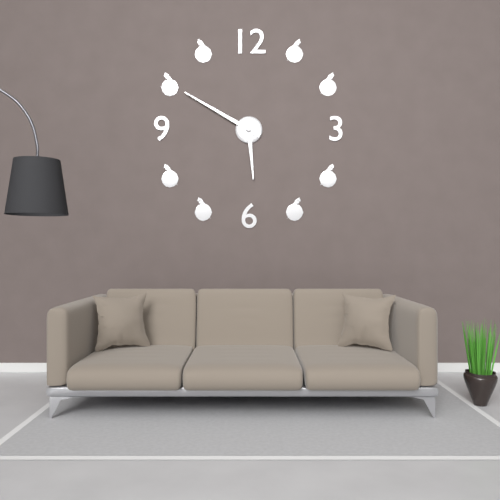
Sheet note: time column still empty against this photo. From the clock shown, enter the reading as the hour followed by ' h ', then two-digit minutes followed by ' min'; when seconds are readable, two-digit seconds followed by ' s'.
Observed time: 5 h 50 min
